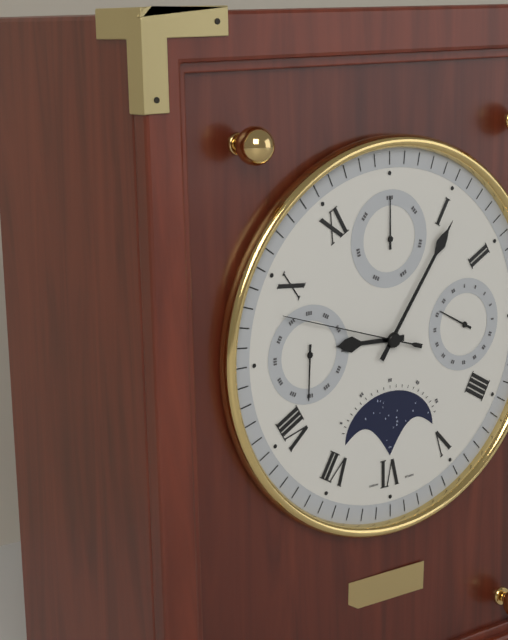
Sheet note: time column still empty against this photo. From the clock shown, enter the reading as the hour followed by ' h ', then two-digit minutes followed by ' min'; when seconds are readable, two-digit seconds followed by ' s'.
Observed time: 9 h 06 min 48 s
